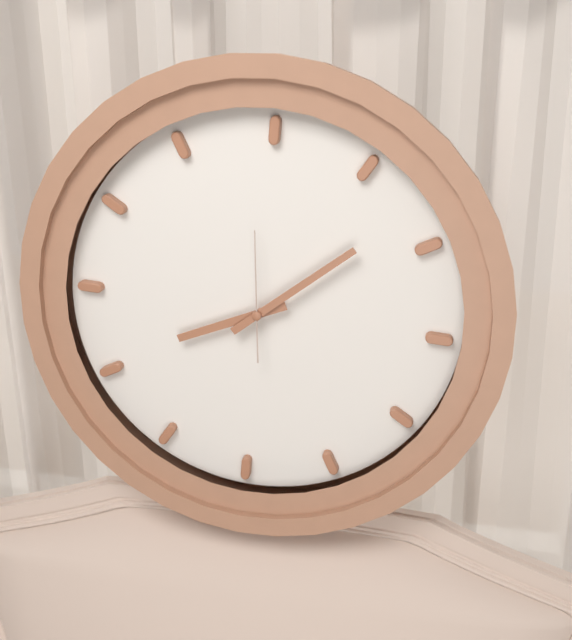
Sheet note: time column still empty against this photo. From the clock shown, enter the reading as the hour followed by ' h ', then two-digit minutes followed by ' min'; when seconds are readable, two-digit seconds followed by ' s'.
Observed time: 8 h 08 min 59 s
